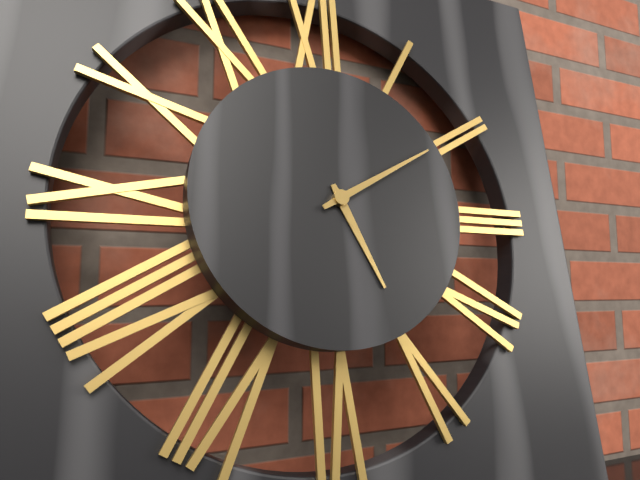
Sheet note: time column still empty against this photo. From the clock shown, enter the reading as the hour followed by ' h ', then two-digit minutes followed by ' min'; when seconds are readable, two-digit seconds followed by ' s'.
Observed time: 5 h 10 min
